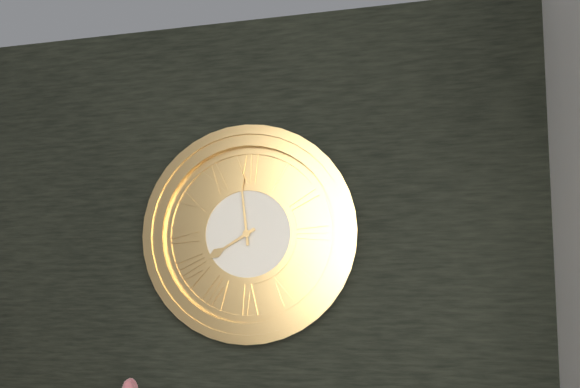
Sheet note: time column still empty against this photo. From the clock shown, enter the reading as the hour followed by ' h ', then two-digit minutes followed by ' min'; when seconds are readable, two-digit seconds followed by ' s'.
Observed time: 7 h 59 min
